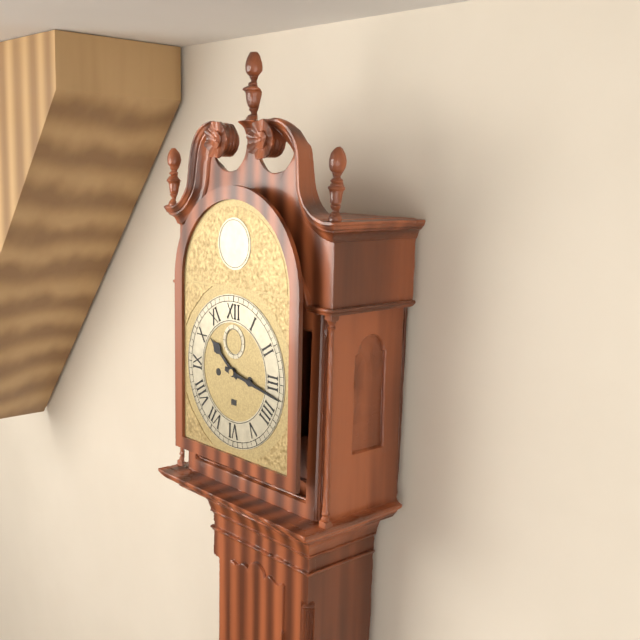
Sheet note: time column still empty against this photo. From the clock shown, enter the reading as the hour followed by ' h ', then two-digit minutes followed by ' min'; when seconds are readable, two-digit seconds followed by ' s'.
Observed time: 10 h 17 min
